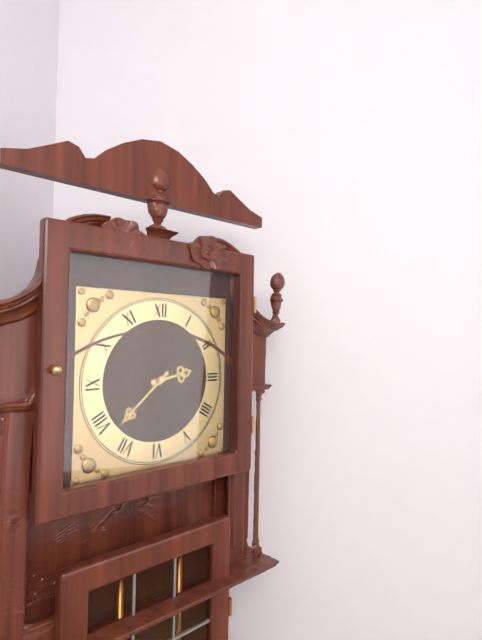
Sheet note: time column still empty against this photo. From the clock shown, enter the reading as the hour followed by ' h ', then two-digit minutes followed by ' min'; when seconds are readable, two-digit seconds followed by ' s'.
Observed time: 2 h 38 min
